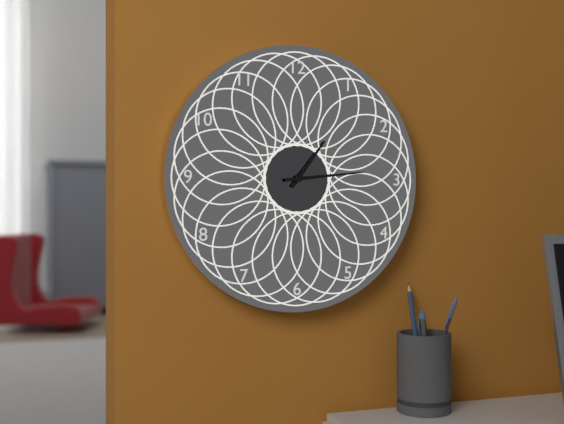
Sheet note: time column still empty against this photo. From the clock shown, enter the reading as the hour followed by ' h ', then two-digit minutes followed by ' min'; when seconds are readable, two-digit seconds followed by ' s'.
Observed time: 1 h 14 min
